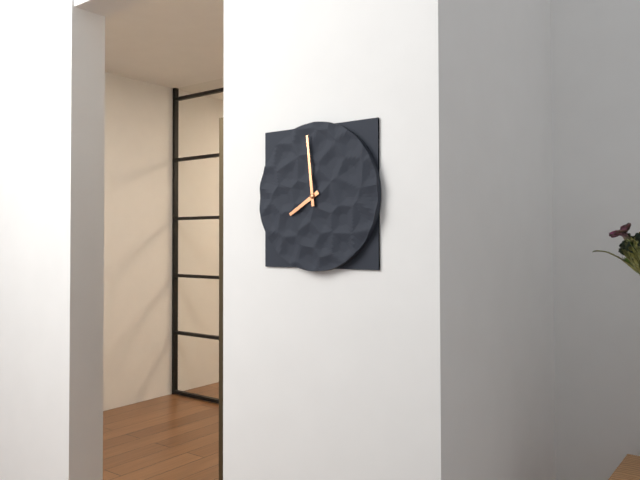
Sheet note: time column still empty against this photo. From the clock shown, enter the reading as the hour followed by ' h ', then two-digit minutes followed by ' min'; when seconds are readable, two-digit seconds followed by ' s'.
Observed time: 7 h 59 min
